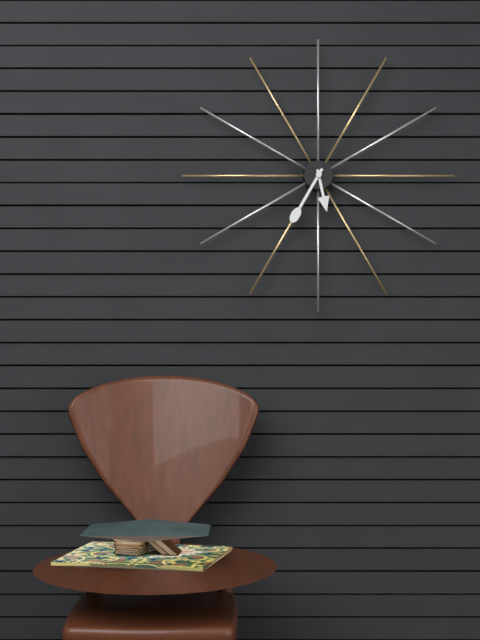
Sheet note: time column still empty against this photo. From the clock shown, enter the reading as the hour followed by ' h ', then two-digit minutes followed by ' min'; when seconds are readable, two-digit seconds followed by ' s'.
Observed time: 5 h 35 min
